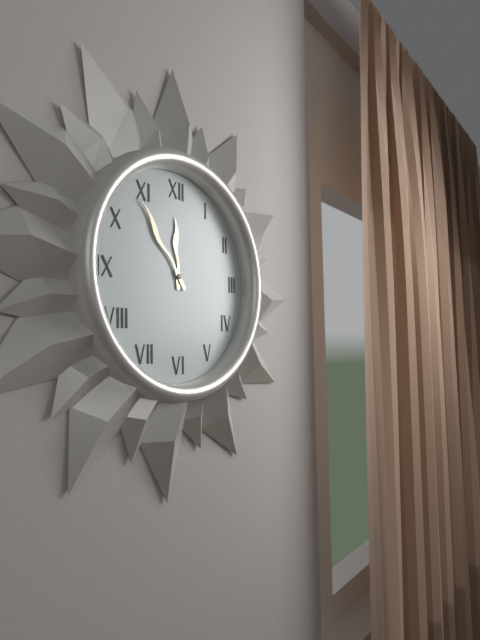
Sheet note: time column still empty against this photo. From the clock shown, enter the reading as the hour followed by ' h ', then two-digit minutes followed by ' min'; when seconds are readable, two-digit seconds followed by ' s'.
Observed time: 11 h 54 min
